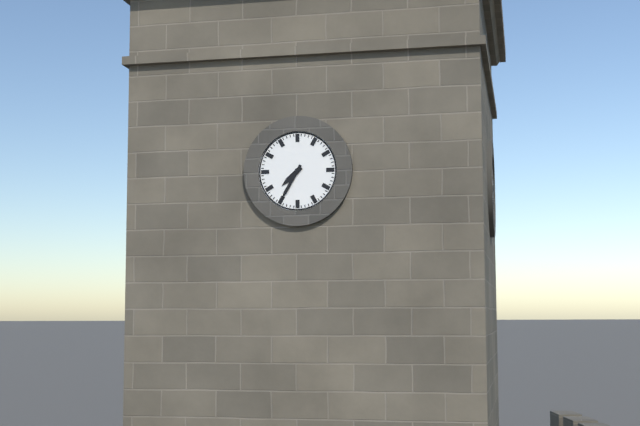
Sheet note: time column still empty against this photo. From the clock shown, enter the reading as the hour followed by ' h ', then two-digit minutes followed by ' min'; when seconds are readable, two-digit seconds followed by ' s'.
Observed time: 7 h 35 min
